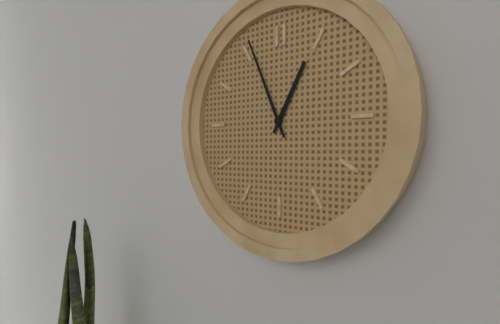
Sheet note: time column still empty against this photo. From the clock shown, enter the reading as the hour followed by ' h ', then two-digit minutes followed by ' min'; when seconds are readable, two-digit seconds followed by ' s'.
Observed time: 12 h 56 min
